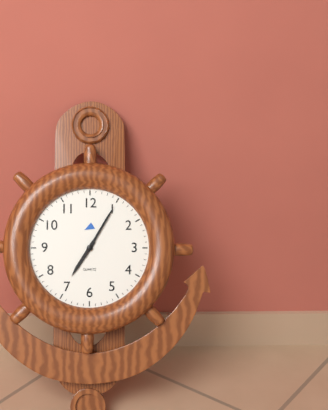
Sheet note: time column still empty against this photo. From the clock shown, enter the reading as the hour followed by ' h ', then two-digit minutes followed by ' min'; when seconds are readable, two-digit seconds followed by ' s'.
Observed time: 7 h 05 min
